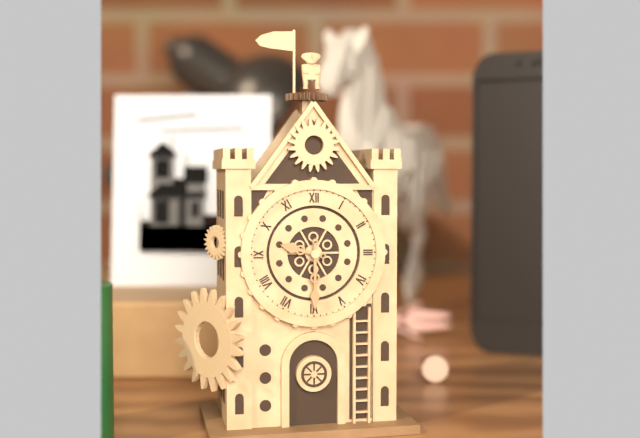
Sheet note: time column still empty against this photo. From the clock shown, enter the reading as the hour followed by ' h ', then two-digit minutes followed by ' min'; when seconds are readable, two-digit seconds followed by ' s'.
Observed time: 9 h 30 min
